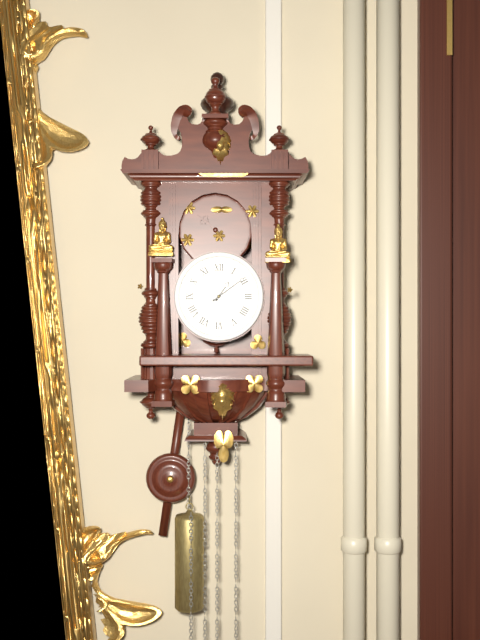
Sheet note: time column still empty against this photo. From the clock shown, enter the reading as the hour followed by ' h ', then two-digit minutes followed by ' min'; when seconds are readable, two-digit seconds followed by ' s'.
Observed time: 1 h 09 min
